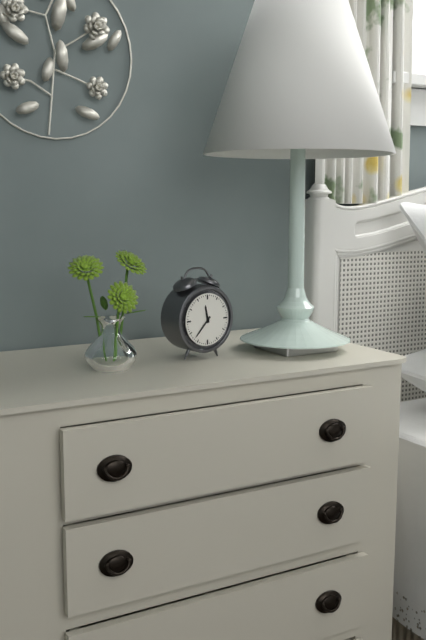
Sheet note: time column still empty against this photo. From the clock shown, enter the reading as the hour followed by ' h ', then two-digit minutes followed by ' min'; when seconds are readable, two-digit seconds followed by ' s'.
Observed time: 11 h 37 min
